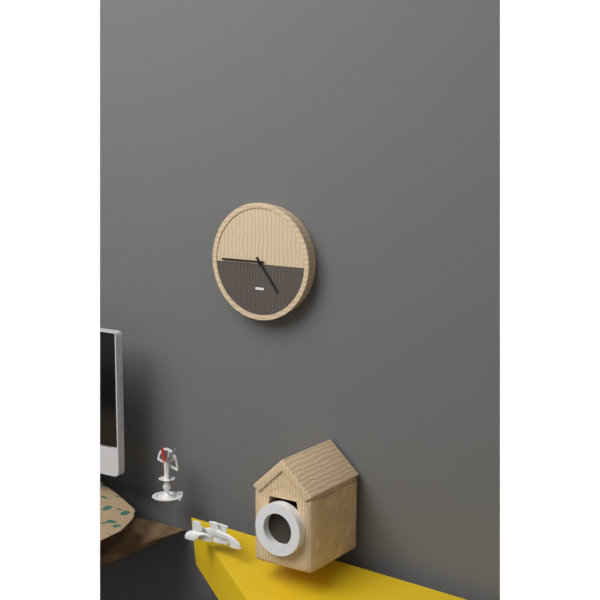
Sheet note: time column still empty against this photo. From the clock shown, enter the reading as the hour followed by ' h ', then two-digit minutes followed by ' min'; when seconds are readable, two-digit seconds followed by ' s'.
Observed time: 4 h 45 min
